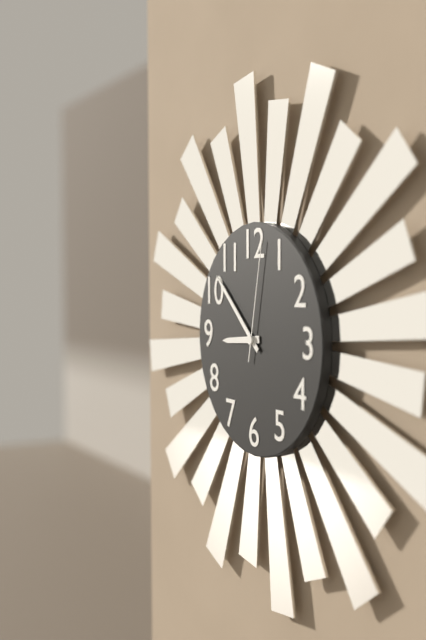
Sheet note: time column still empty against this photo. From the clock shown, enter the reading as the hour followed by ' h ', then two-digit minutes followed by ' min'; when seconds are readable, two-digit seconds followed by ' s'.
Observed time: 8 h 52 min 02 s
